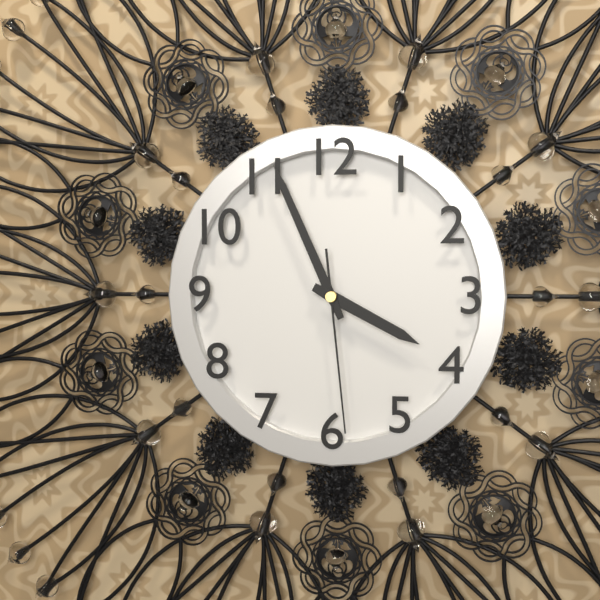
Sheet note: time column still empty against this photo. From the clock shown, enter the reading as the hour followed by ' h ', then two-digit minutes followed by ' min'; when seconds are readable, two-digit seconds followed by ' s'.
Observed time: 3 h 56 min 29 s
